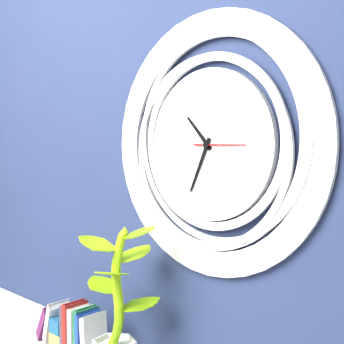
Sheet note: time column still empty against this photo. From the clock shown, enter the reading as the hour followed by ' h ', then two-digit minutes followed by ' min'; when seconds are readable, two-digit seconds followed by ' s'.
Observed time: 10 h 34 min 15 s
